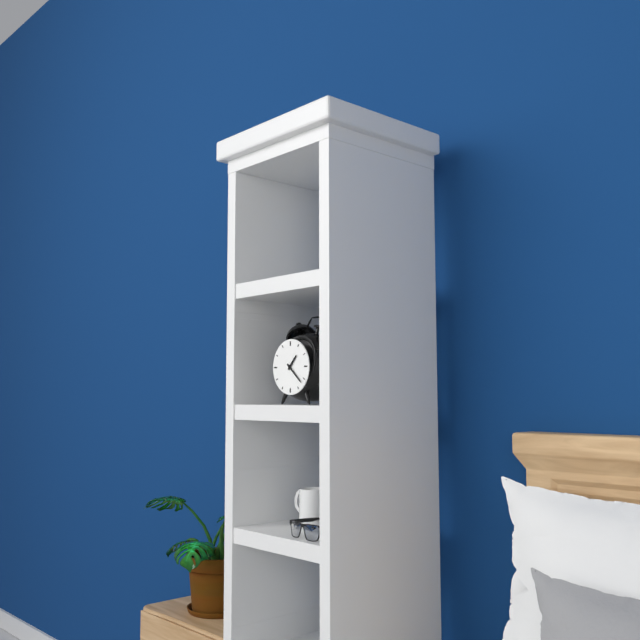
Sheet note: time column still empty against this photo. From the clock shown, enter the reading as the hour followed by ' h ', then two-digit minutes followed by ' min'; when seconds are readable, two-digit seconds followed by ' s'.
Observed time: 1 h 22 min
